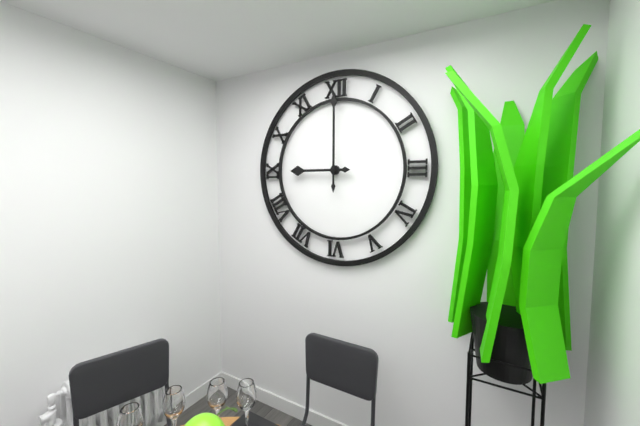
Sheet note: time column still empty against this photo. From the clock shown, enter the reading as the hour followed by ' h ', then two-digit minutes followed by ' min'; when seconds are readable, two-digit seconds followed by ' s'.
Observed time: 9 h 00 min
